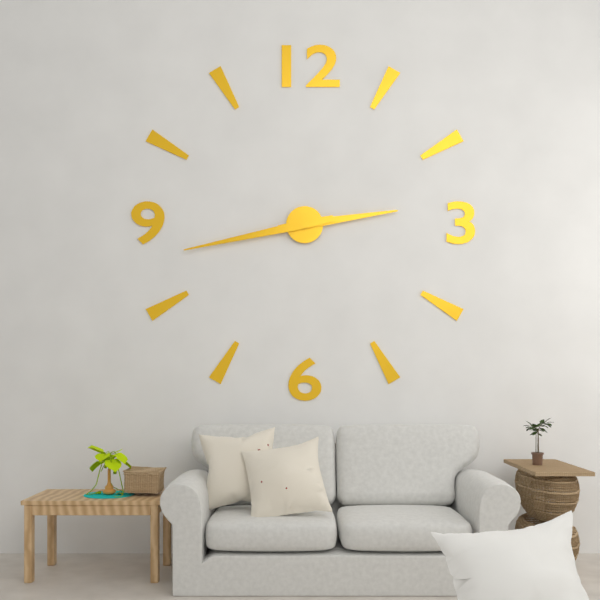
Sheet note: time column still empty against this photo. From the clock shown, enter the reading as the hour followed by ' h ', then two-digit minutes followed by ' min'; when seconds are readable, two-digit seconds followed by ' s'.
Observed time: 2 h 43 min
